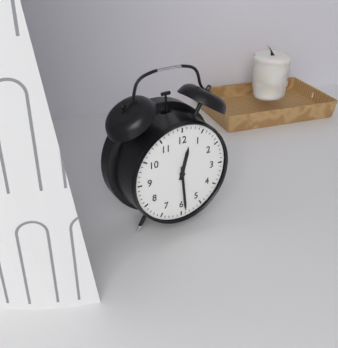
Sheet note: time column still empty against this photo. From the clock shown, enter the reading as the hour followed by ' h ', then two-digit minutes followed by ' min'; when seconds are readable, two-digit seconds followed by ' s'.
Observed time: 12 h 29 min
